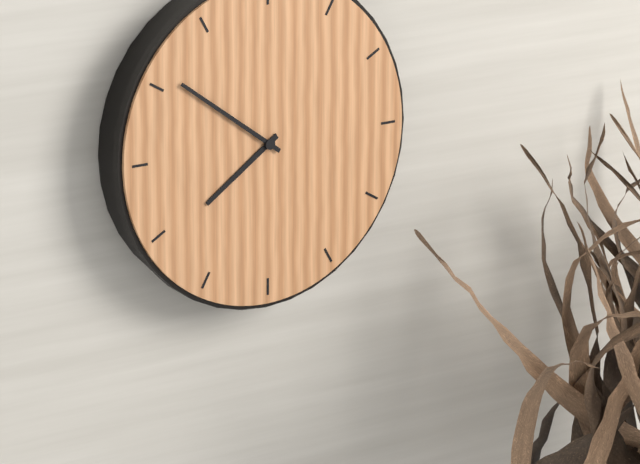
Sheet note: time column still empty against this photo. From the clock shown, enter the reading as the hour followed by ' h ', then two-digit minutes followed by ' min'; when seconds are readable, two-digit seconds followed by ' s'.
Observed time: 7 h 51 min
